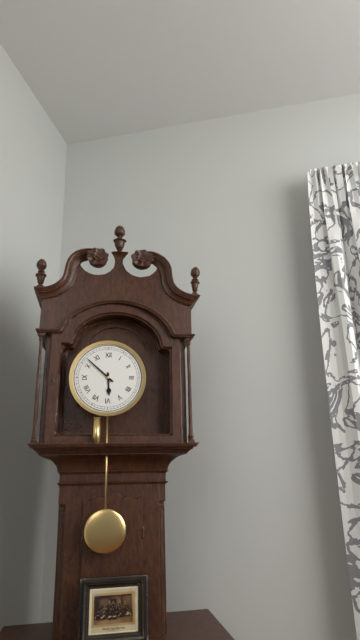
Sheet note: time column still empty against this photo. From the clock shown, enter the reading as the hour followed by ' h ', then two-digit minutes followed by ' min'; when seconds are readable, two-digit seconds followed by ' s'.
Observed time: 5 h 52 min
